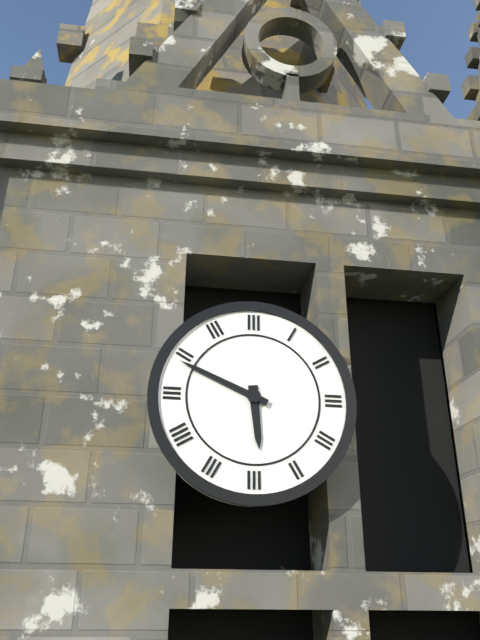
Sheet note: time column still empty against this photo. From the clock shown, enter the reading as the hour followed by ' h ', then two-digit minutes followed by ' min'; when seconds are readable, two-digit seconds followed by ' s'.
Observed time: 5 h 49 min
